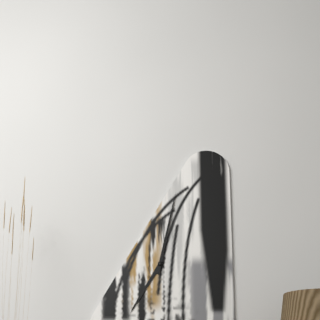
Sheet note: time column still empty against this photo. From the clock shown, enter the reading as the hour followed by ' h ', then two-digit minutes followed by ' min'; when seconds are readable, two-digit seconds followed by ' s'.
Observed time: 7 h 02 min
